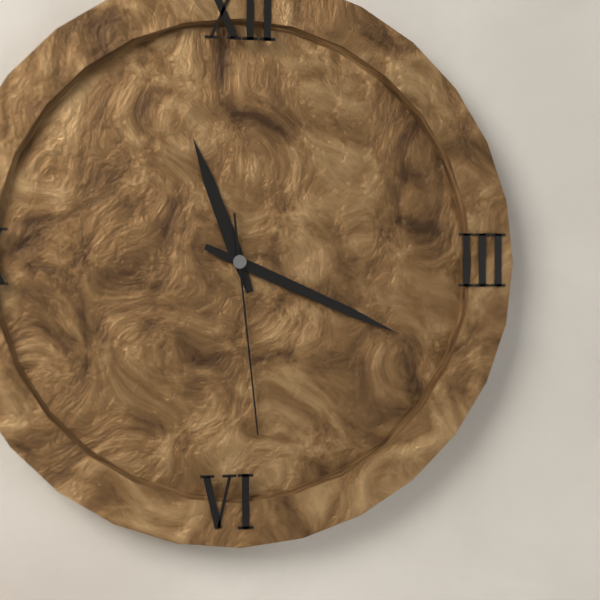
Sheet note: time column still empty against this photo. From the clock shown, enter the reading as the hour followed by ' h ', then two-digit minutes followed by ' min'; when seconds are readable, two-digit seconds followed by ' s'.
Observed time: 11 h 19 min 29 s
